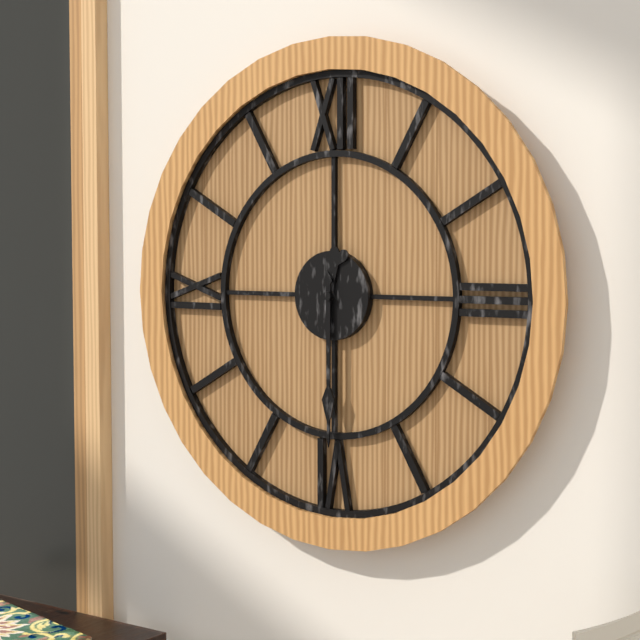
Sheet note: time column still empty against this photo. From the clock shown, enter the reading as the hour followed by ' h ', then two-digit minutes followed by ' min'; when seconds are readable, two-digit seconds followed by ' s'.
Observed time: 12 h 30 min
